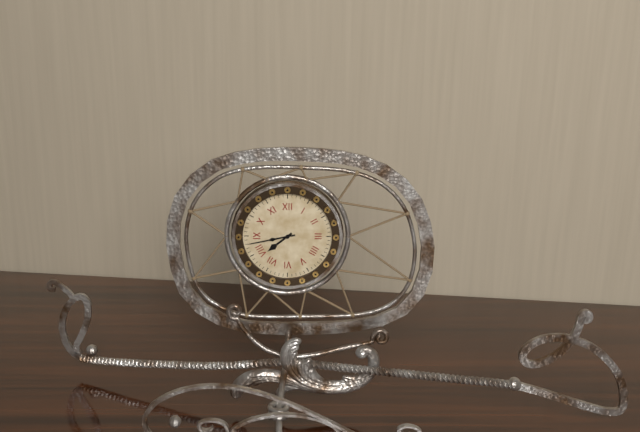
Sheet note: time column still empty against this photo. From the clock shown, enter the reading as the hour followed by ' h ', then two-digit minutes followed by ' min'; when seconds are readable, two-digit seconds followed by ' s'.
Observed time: 7 h 43 min
